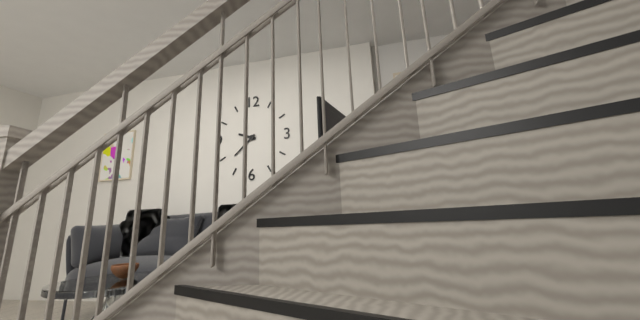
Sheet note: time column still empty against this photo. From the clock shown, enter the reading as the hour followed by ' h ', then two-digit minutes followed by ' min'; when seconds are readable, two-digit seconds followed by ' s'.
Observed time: 9 h 38 min
